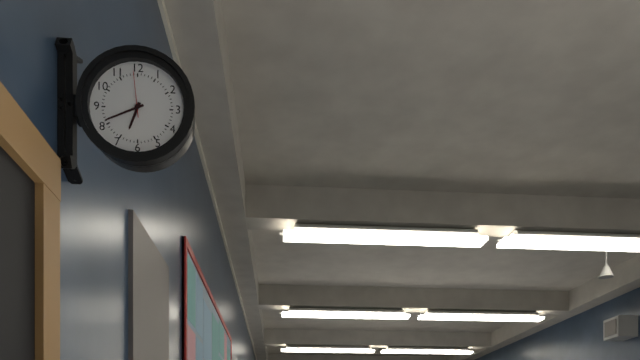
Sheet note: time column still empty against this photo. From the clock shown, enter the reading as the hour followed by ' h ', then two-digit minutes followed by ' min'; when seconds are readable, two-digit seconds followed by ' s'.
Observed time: 6 h 41 min
